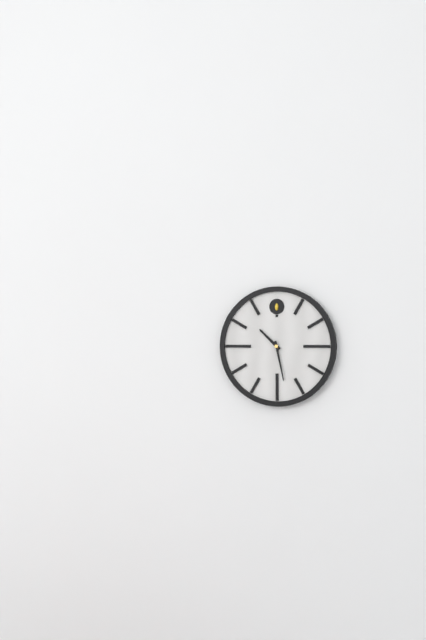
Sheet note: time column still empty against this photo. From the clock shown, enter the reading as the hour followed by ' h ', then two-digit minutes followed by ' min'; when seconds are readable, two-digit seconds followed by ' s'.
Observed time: 10 h 28 min
